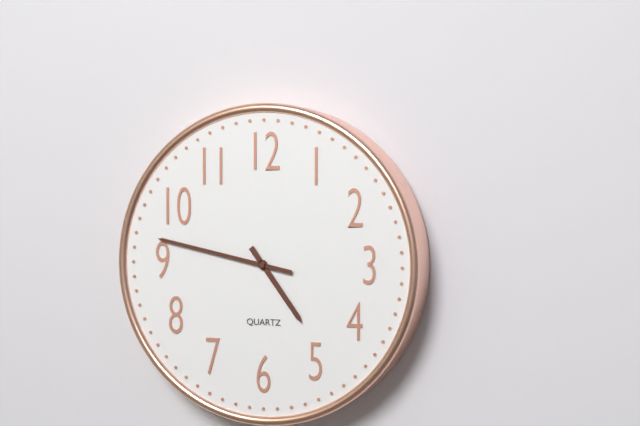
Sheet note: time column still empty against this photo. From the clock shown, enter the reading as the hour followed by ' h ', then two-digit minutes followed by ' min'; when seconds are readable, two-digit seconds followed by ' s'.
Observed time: 4 h 47 min
